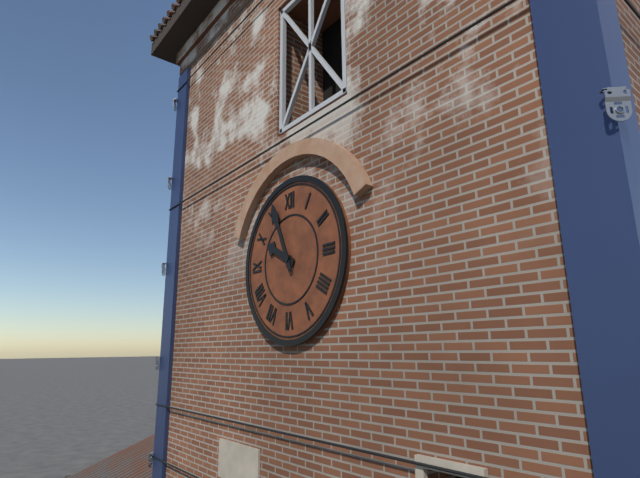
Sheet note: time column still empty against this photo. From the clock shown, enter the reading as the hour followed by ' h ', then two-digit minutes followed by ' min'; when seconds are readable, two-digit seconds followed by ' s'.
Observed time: 9 h 56 min
